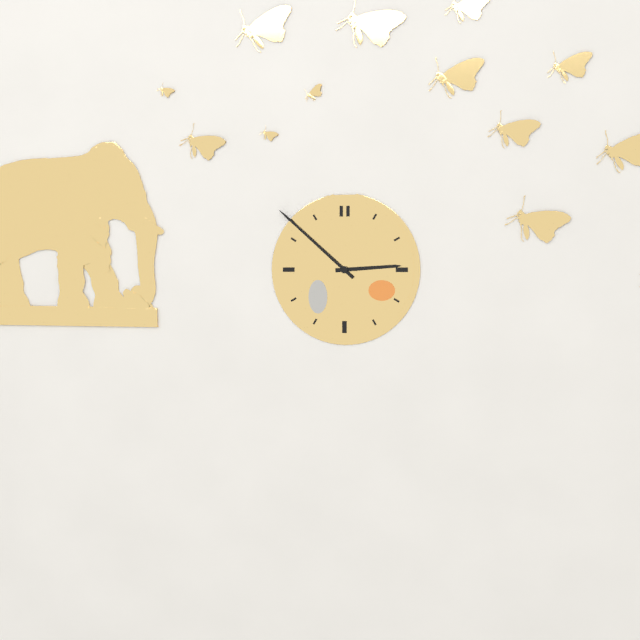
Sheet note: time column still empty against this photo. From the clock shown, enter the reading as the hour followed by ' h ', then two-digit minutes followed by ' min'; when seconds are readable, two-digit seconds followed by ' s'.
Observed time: 2 h 52 min
